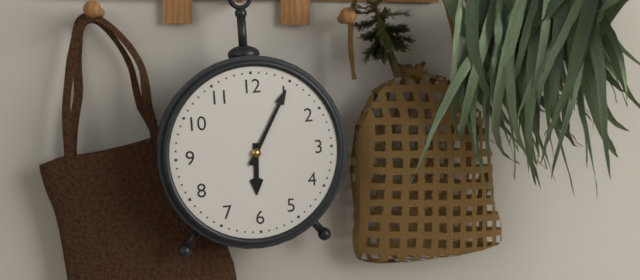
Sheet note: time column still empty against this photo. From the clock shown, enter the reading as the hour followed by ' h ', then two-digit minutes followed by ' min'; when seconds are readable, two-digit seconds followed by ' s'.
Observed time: 6 h 05 min
